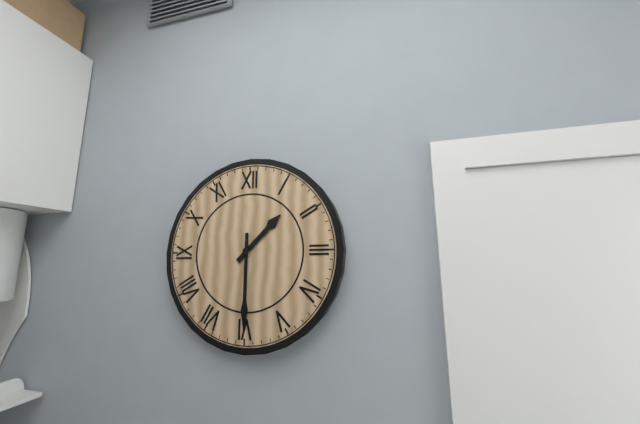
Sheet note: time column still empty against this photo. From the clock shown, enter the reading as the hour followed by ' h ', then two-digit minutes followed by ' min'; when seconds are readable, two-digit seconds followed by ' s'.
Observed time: 1 h 30 min
